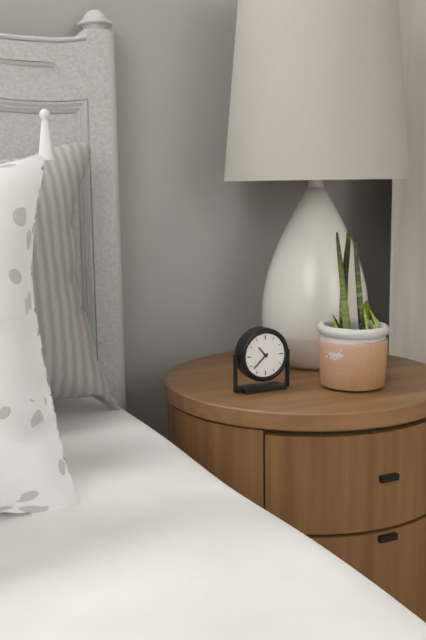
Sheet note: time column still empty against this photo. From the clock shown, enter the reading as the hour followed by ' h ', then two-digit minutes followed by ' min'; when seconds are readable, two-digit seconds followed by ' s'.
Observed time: 10 h 38 min
